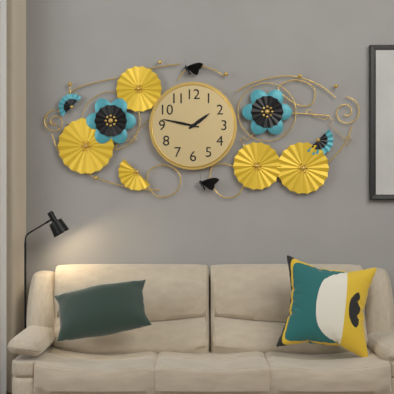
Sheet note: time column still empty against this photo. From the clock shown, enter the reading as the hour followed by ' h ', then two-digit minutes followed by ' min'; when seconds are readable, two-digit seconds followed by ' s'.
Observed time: 1 h 47 min
